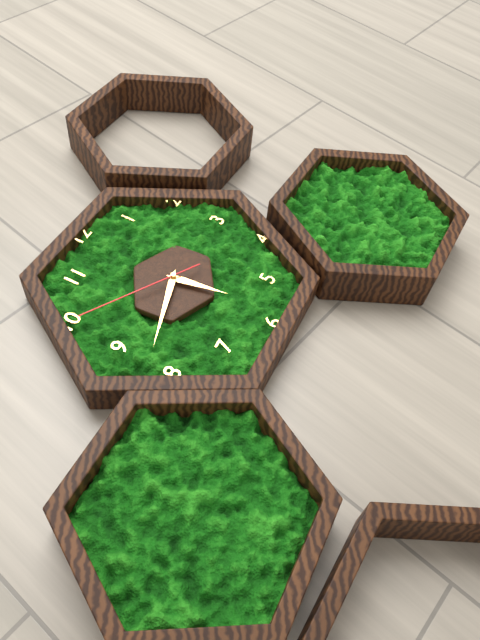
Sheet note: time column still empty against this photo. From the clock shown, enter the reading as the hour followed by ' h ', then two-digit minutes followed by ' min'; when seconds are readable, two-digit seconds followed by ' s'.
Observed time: 5 h 42 min 50 s
